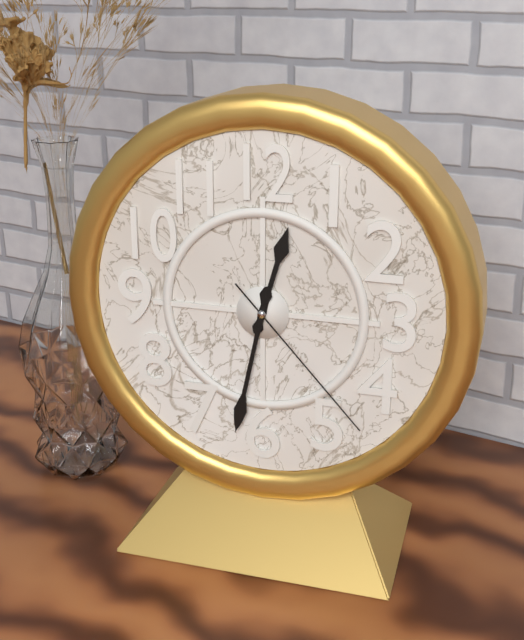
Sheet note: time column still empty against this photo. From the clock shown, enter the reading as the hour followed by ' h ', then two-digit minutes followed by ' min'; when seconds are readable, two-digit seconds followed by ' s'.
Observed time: 12 h 32 min 23 s
